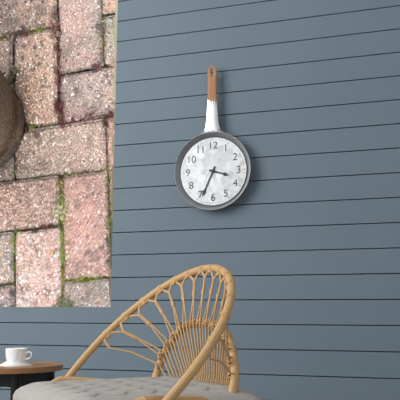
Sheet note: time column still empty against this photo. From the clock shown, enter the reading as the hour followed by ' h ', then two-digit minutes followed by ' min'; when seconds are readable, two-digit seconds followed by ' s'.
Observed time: 3 h 34 min
